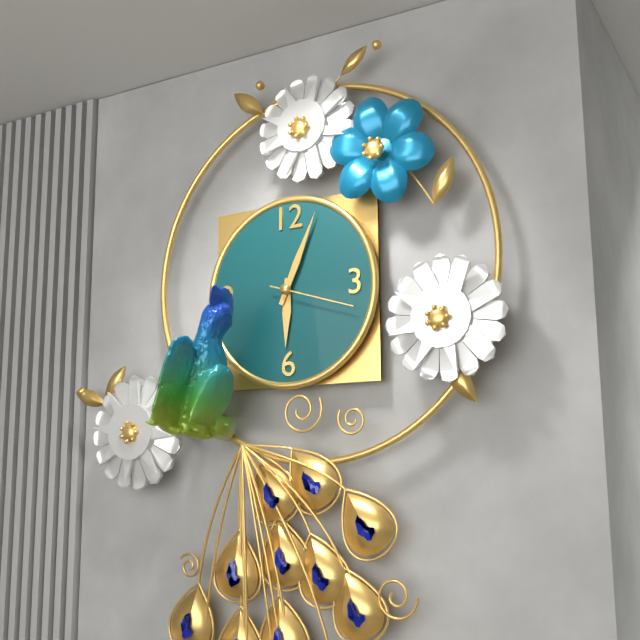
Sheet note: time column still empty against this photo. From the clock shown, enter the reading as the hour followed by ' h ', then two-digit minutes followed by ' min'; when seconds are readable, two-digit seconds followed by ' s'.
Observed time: 6 h 04 min 18 s
